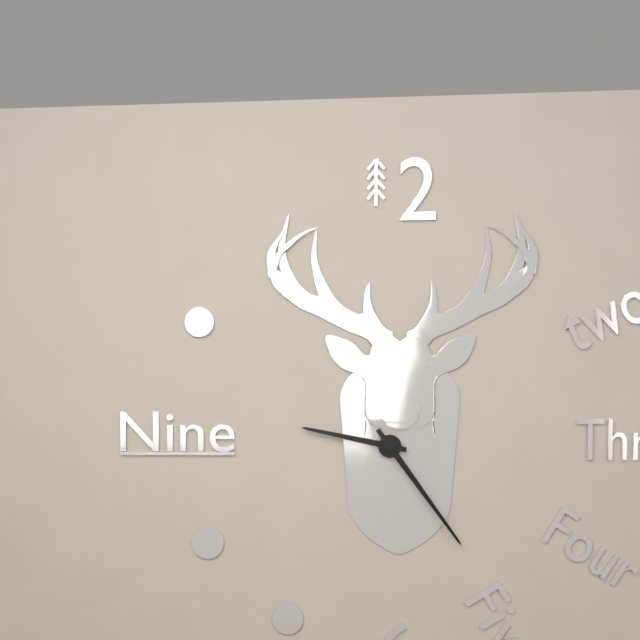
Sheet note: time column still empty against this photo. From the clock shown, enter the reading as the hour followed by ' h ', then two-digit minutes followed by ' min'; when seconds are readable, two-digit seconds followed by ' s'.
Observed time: 9 h 24 min
